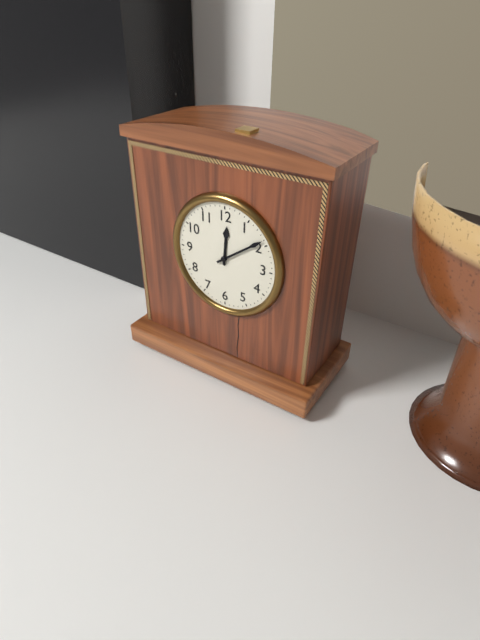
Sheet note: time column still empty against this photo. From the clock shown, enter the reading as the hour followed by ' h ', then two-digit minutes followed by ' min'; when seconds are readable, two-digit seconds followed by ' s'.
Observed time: 12 h 09 min
